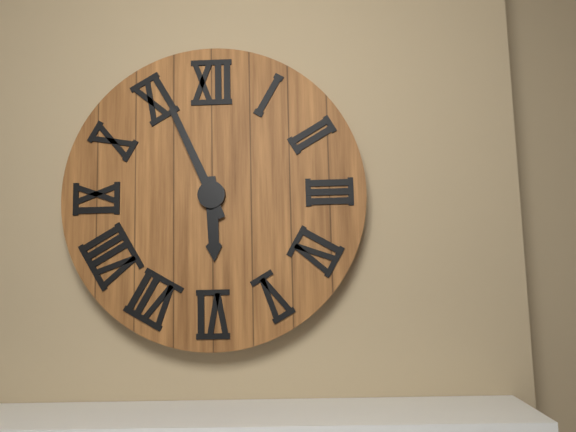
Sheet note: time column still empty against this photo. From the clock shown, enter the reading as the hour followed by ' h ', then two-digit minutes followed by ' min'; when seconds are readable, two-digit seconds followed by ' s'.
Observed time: 5 h 56 min
